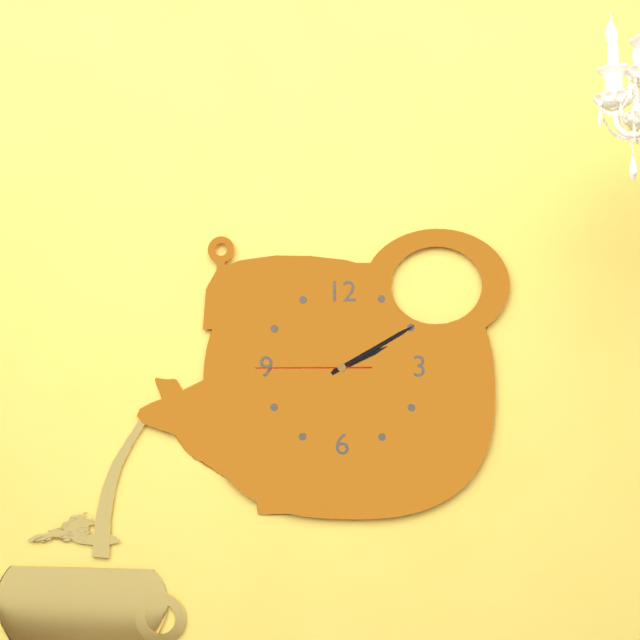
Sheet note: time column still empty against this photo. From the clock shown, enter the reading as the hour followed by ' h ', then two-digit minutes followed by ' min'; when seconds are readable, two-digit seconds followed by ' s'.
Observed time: 2 h 10 min 45 s
